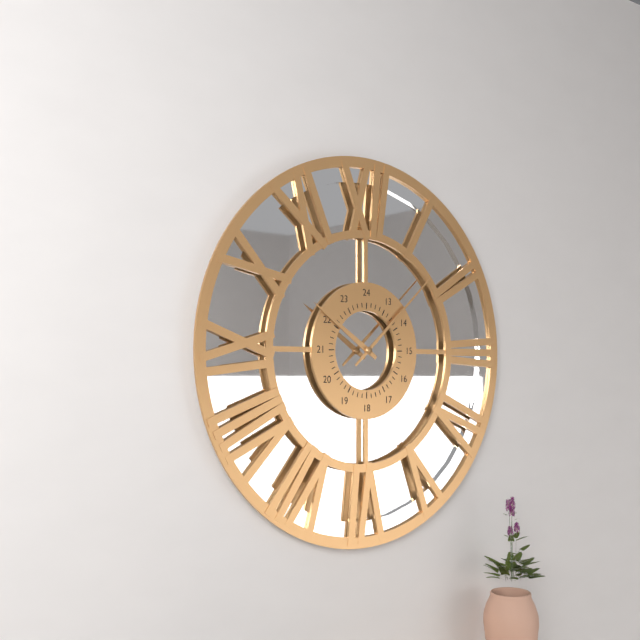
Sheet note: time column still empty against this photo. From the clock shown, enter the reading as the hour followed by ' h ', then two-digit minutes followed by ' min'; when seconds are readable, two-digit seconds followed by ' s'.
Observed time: 10 h 08 min
